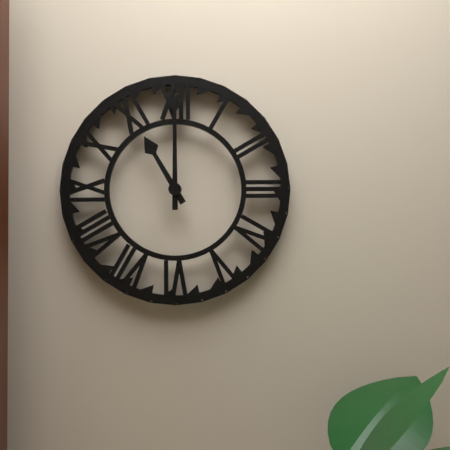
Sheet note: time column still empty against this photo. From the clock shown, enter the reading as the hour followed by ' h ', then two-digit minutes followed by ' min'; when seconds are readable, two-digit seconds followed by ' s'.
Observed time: 11 h 00 min
